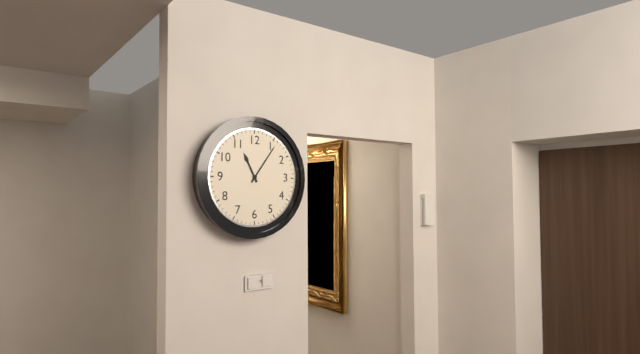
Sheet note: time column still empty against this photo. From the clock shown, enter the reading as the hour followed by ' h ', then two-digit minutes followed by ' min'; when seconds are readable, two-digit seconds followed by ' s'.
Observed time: 11 h 06 min
